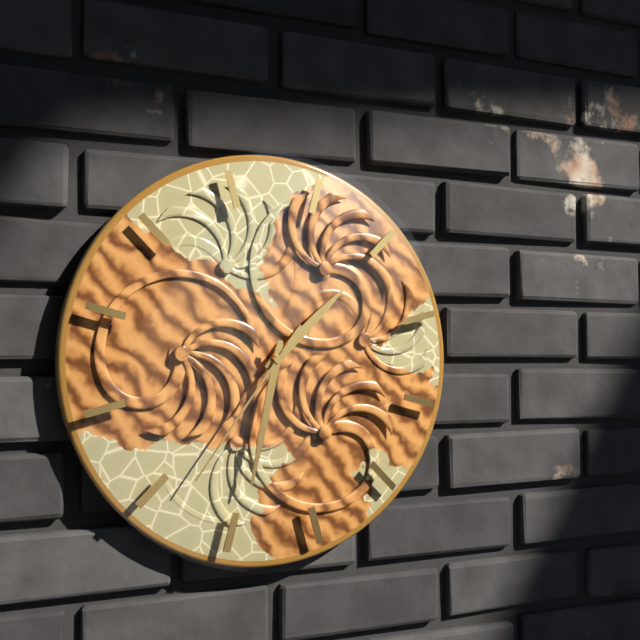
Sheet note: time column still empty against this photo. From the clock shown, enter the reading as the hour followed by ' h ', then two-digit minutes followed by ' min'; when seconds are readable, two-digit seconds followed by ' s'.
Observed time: 1 h 32 min 36 s
